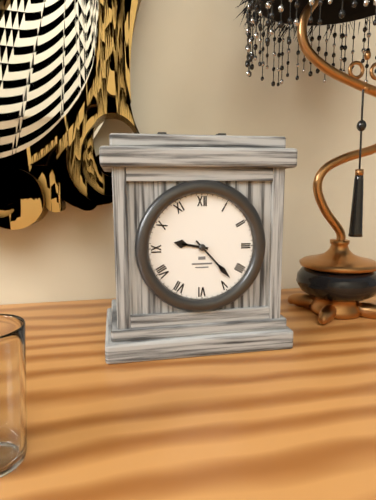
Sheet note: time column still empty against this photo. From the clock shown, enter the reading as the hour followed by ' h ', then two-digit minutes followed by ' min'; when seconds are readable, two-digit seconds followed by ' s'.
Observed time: 9 h 23 min
